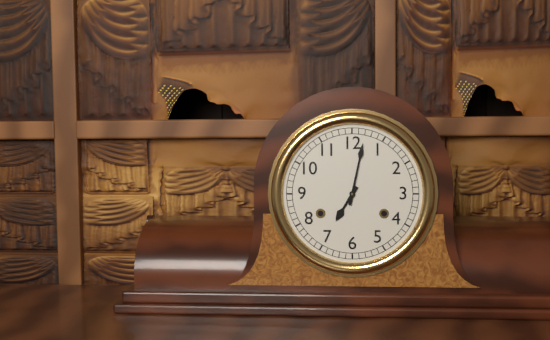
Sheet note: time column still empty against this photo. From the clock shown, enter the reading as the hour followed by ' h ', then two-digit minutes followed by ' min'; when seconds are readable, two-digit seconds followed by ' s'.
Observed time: 7 h 02 min
